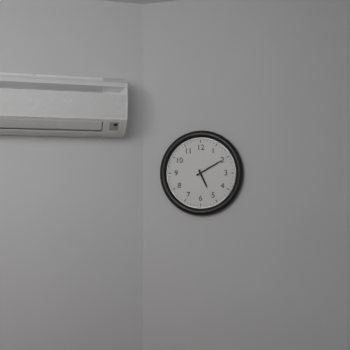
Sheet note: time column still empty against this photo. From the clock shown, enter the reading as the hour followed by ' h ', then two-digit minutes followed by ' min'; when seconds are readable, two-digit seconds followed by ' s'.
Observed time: 5 h 10 min
